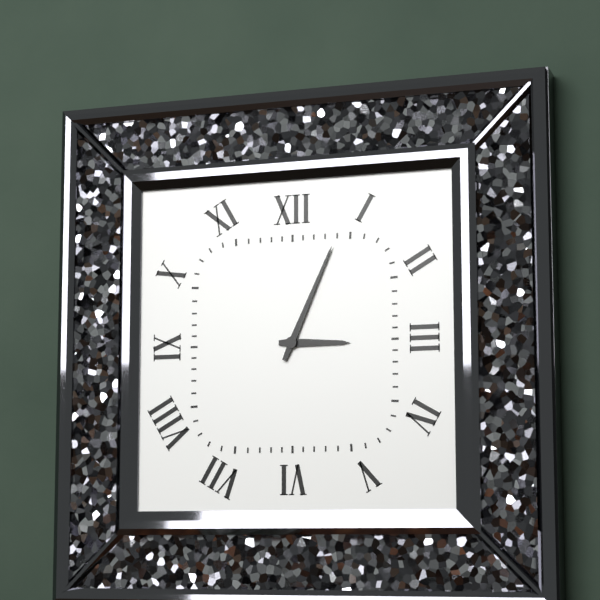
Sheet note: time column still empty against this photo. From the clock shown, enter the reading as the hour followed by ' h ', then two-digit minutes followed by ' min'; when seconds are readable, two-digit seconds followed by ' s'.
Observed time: 3 h 04 min
